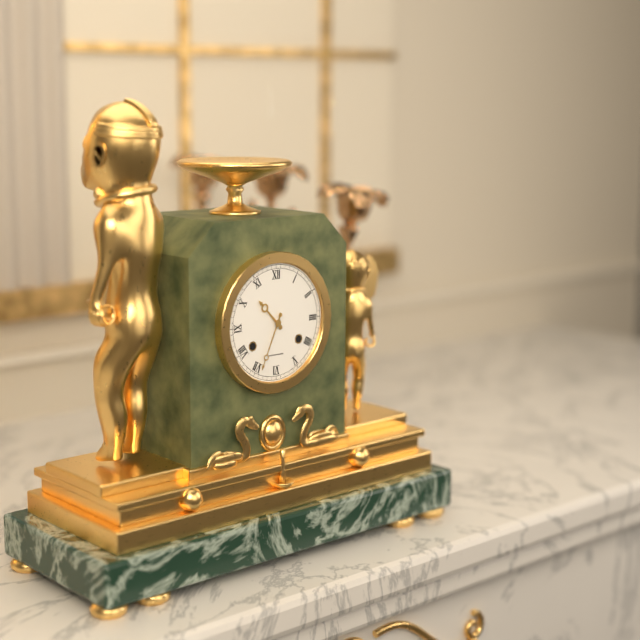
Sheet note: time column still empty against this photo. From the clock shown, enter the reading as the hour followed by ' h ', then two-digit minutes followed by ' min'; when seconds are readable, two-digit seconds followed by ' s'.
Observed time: 10 h 34 min
